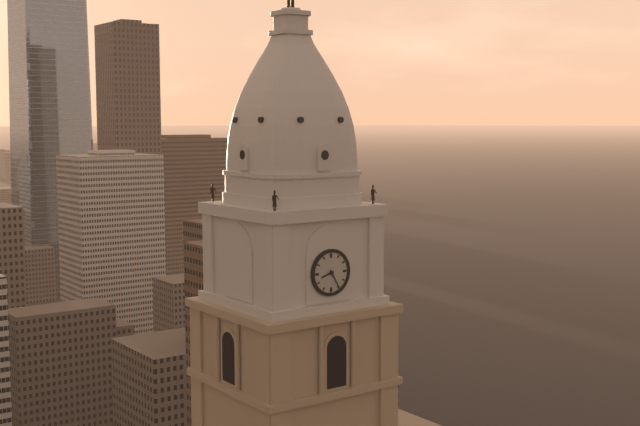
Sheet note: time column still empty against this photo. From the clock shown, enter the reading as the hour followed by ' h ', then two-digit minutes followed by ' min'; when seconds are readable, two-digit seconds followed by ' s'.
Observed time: 8 h 25 min
